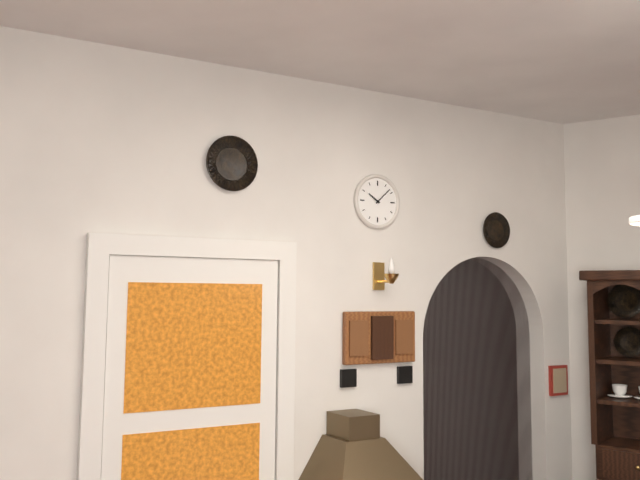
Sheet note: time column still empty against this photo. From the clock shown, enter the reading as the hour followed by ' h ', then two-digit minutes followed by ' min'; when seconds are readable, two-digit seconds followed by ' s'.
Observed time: 10 h 08 min
